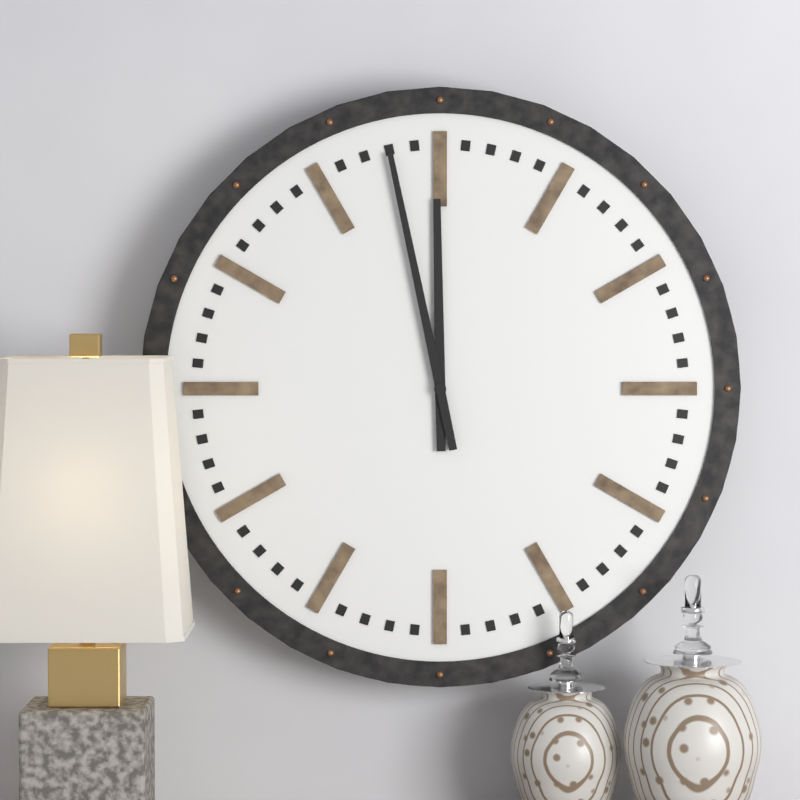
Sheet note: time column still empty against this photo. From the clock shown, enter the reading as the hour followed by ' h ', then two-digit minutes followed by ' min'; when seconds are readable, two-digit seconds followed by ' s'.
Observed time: 11 h 58 min
